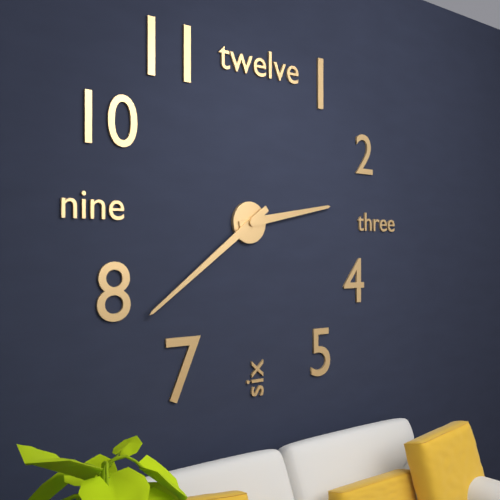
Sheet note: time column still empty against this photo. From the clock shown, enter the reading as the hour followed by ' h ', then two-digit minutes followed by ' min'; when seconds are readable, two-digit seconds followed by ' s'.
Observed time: 2 h 39 min
